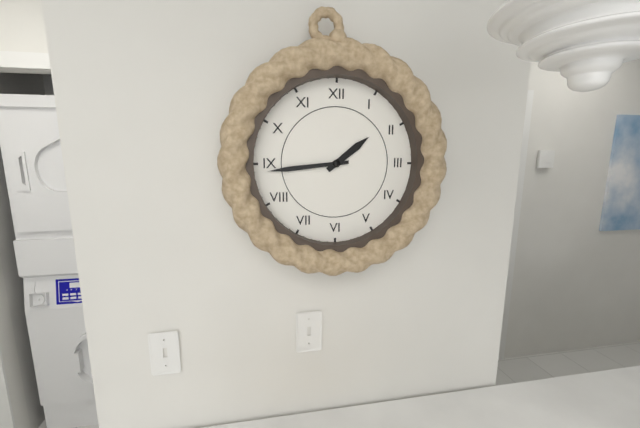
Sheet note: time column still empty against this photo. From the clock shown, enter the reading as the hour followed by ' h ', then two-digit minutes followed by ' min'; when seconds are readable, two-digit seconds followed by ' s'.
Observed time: 1 h 44 min
